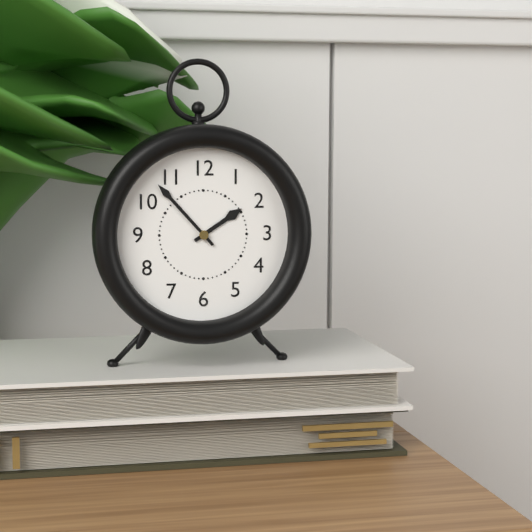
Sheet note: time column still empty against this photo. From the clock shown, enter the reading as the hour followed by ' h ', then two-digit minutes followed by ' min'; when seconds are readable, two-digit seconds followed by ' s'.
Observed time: 1 h 53 min
